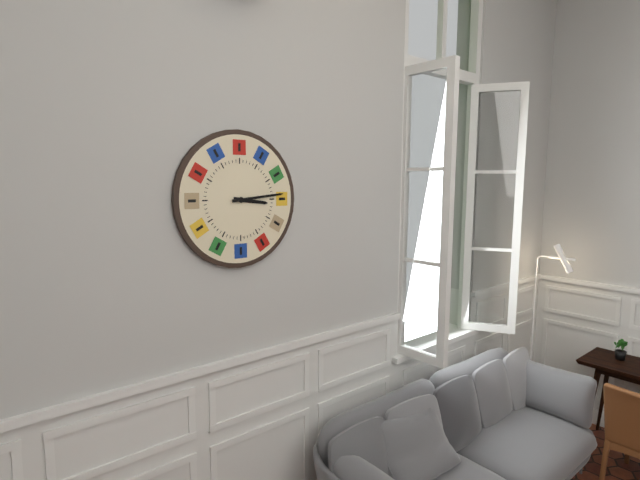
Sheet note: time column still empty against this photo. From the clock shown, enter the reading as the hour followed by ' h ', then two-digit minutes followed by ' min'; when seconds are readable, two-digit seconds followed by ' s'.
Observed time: 3 h 14 min
